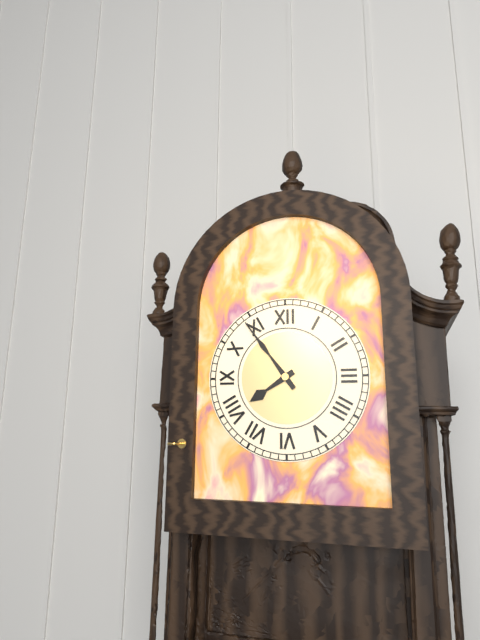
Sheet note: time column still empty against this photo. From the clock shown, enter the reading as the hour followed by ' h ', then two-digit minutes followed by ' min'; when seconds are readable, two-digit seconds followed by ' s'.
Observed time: 7 h 54 min
